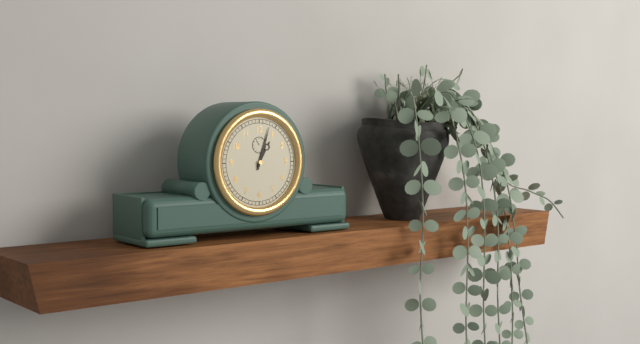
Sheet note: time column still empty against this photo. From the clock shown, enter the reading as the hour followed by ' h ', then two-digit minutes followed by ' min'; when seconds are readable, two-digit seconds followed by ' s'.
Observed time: 1 h 03 min
